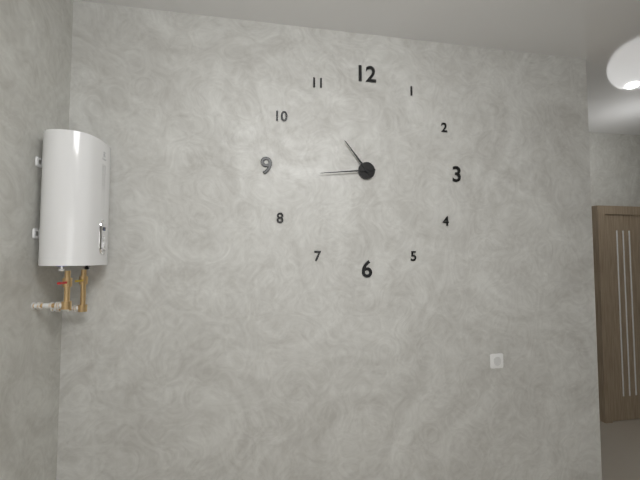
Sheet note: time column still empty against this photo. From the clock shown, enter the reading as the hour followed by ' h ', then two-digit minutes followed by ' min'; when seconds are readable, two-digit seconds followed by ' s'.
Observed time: 10 h 44 min
